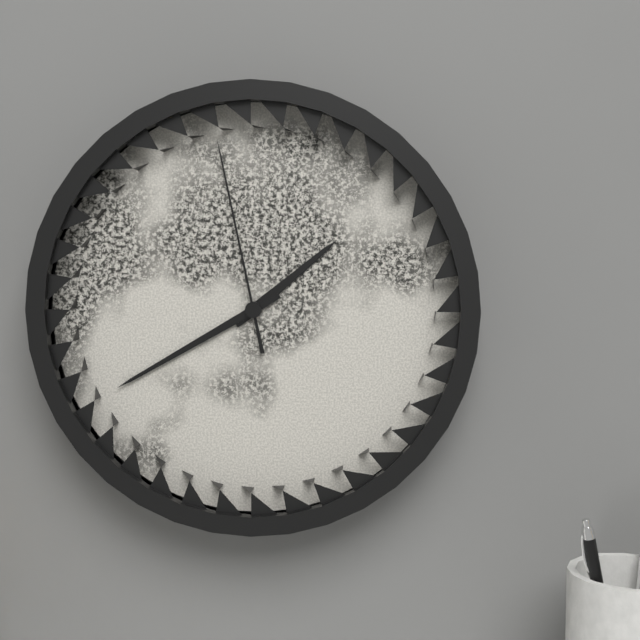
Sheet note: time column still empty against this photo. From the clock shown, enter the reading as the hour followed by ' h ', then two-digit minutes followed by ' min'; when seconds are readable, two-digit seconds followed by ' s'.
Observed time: 1 h 40 min 58 s
